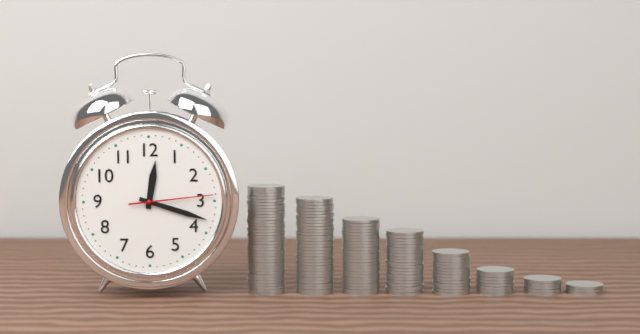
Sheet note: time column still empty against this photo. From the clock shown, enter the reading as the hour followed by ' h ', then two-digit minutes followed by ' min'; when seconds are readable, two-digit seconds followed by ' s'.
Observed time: 12 h 18 min 14 s
